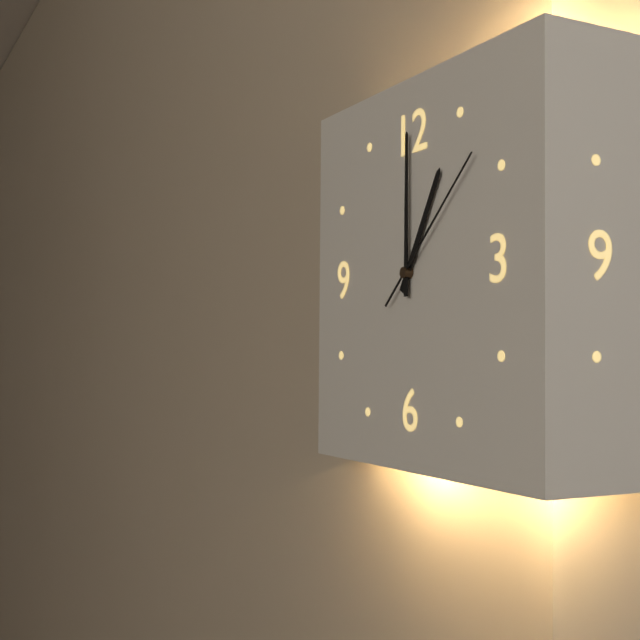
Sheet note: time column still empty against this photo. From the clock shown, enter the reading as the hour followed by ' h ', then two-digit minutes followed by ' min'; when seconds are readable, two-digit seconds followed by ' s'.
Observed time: 1 h 00 min 08 s
